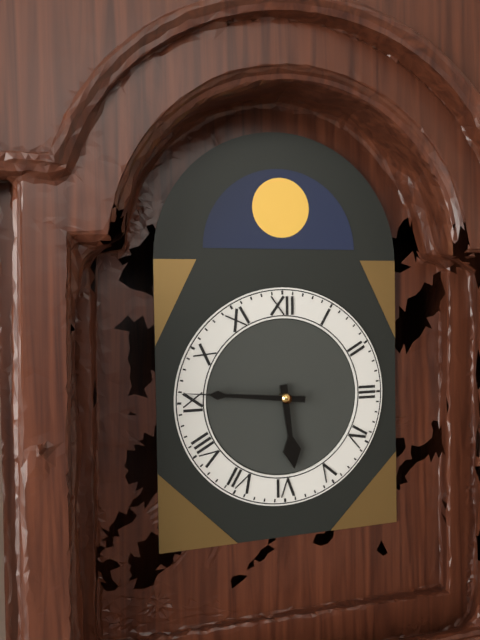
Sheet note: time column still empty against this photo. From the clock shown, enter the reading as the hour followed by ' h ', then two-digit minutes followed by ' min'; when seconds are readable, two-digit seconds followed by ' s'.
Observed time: 5 h 46 min
